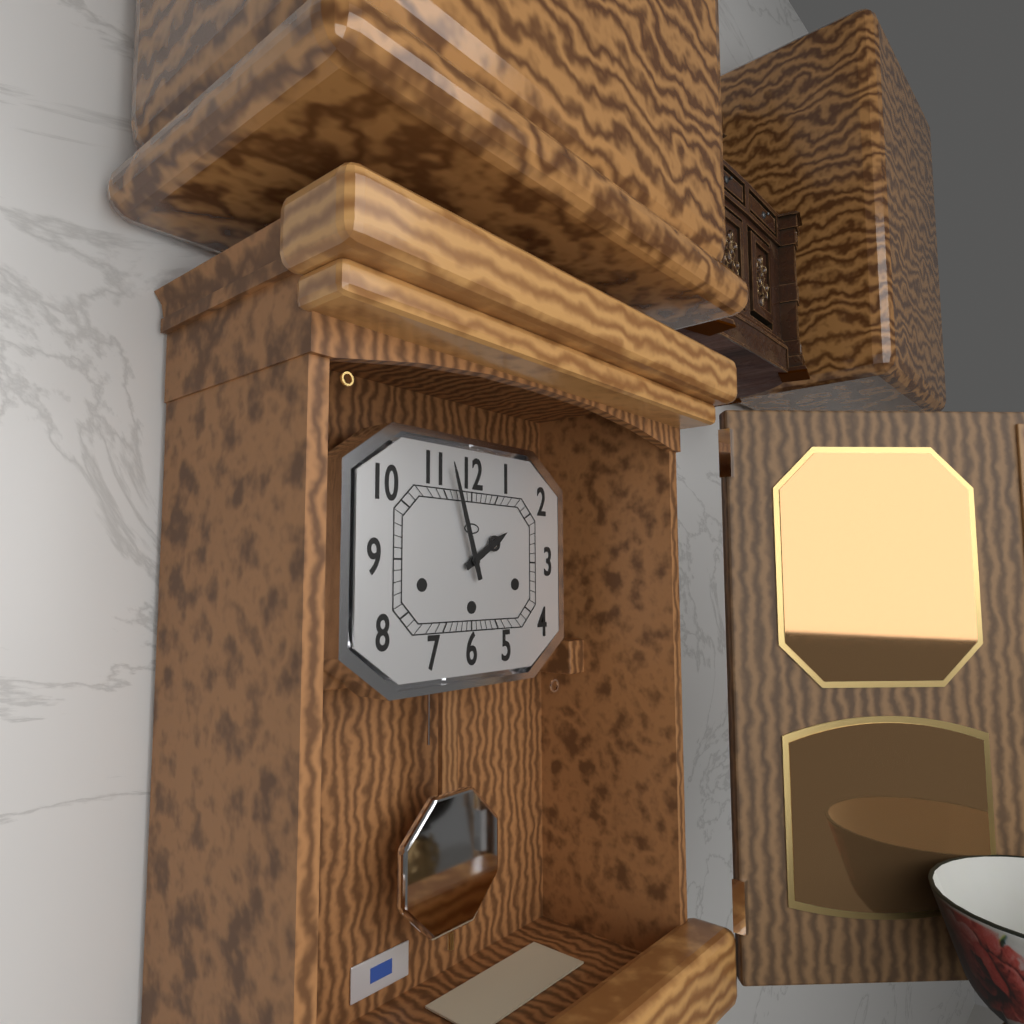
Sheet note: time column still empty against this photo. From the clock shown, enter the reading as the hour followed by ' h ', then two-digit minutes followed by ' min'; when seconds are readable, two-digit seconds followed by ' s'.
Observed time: 1 h 57 min
